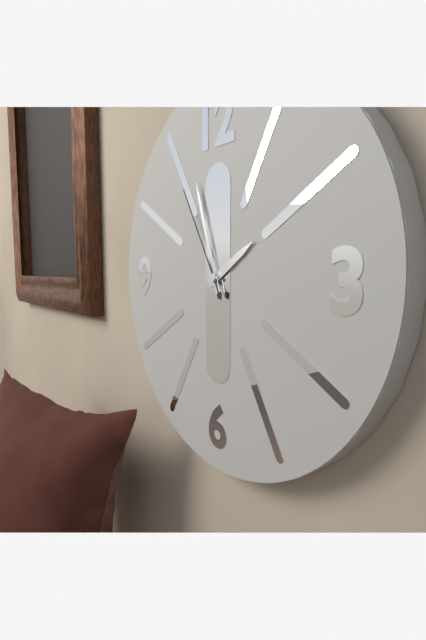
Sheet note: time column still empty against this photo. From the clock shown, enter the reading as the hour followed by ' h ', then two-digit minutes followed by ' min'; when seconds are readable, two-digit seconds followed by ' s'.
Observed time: 1 h 57 min 55 s
